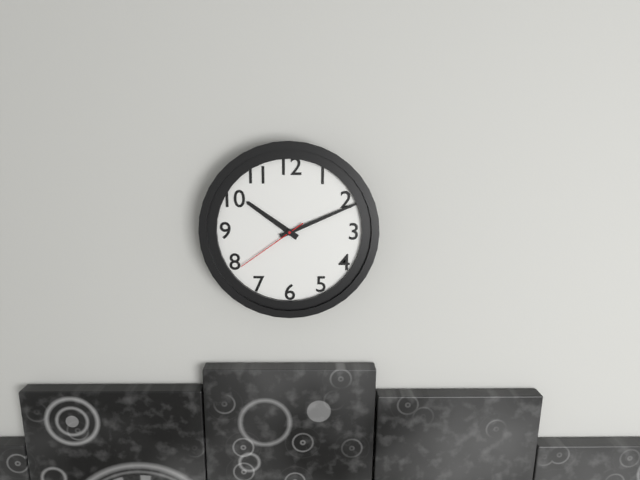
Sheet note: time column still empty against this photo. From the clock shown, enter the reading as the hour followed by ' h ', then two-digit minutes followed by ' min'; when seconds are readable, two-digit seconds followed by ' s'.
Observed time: 10 h 11 min 39 s
